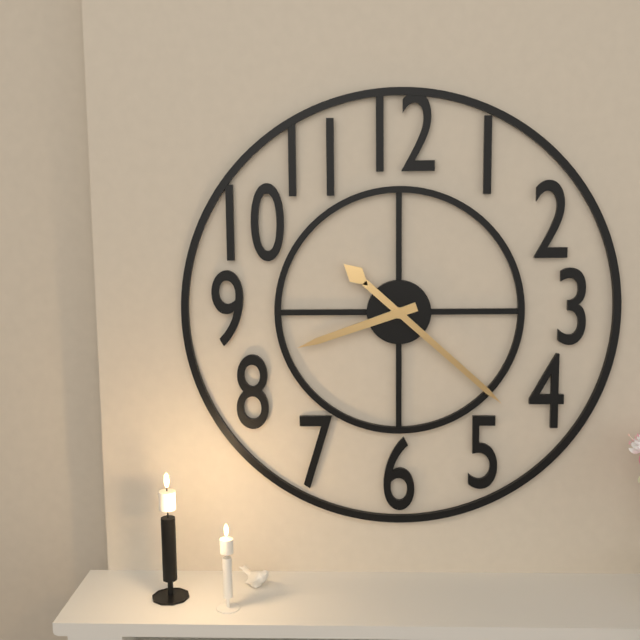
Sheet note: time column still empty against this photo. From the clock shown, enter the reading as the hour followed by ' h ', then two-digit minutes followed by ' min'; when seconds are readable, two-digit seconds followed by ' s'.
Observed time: 8 h 22 min
